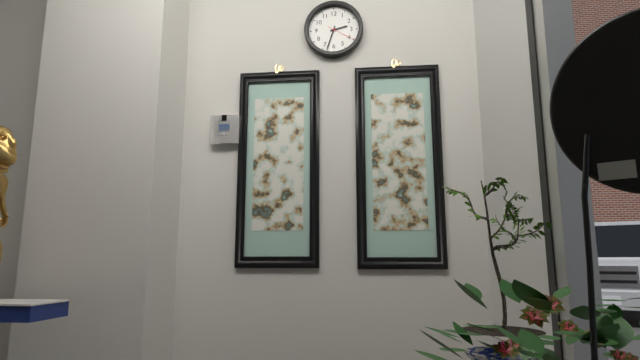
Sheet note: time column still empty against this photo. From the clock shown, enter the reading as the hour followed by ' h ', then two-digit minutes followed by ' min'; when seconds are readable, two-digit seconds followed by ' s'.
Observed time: 2 h 33 min
